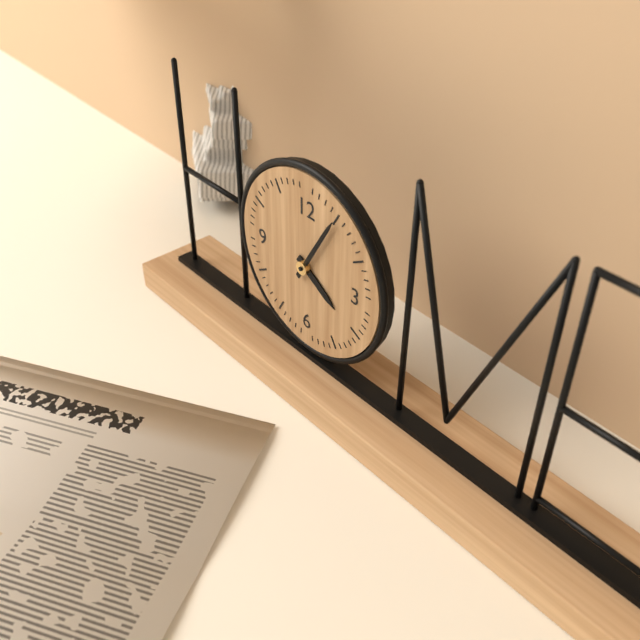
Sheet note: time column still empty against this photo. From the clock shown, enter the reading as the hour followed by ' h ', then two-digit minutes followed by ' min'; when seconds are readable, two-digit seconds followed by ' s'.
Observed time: 4 h 05 min
